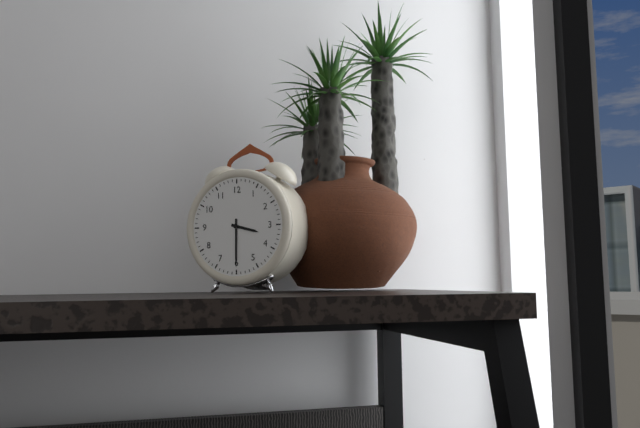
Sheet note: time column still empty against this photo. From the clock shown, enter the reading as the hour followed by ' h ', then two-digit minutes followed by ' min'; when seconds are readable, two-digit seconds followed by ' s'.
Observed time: 3 h 30 min
